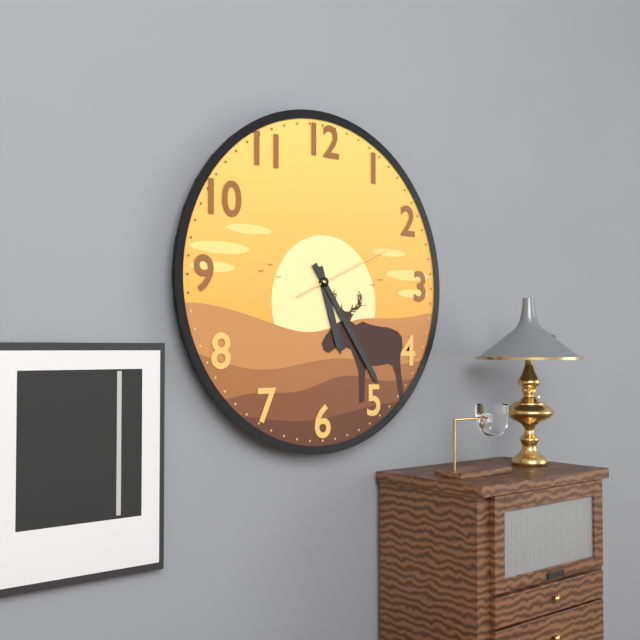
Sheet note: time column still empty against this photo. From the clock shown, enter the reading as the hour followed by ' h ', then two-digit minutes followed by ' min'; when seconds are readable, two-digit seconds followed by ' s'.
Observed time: 5 h 24 min 11 s
